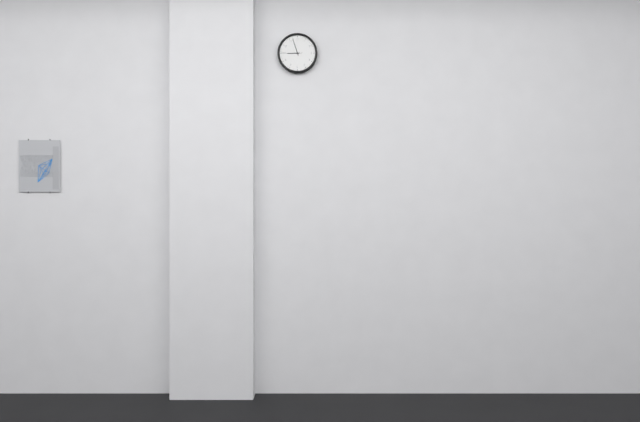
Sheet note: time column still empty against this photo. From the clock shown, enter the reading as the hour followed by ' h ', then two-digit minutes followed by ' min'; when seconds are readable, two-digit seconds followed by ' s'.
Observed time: 8 h 57 min
